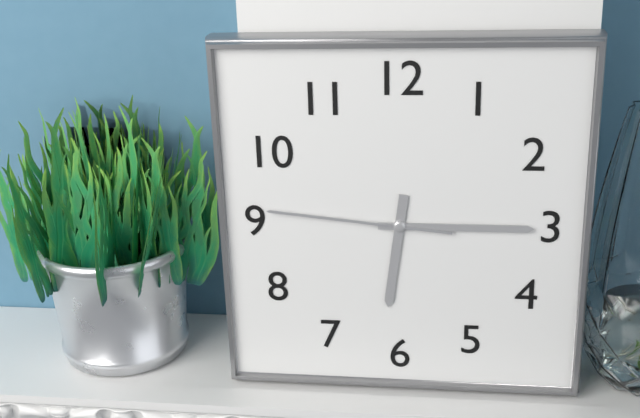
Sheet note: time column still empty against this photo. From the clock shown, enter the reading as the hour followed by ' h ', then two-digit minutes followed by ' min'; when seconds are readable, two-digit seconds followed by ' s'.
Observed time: 6 h 15 min 46 s
